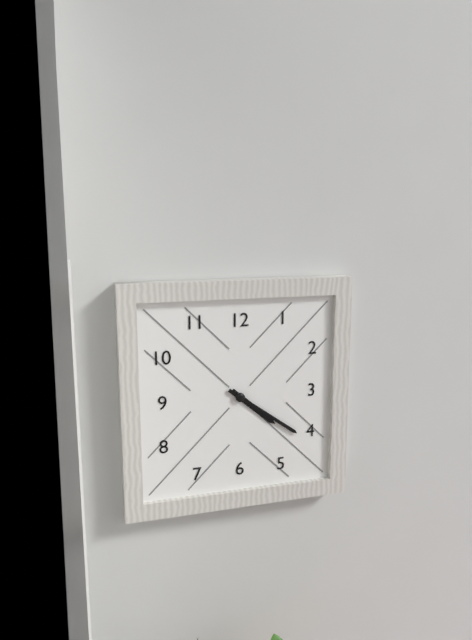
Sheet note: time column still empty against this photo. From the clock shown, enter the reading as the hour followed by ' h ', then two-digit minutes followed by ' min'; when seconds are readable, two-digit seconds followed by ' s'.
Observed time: 4 h 21 min
